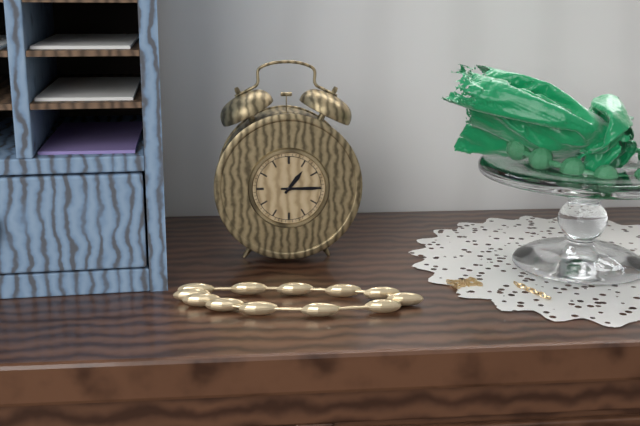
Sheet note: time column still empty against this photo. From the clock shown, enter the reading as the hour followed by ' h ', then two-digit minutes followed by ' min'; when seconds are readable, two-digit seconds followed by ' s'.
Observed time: 1 h 15 min
